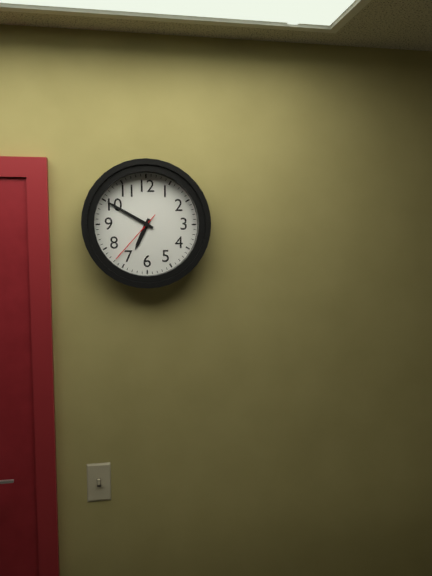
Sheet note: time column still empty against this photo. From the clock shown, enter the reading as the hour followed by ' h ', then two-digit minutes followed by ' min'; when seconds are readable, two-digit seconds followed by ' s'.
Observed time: 6 h 50 min 37 s
